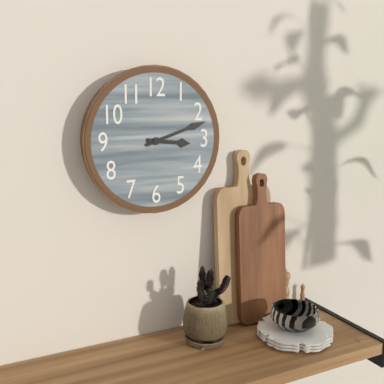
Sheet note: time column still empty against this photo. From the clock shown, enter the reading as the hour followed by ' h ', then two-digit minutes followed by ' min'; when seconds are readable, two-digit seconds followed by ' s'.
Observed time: 3 h 12 min
